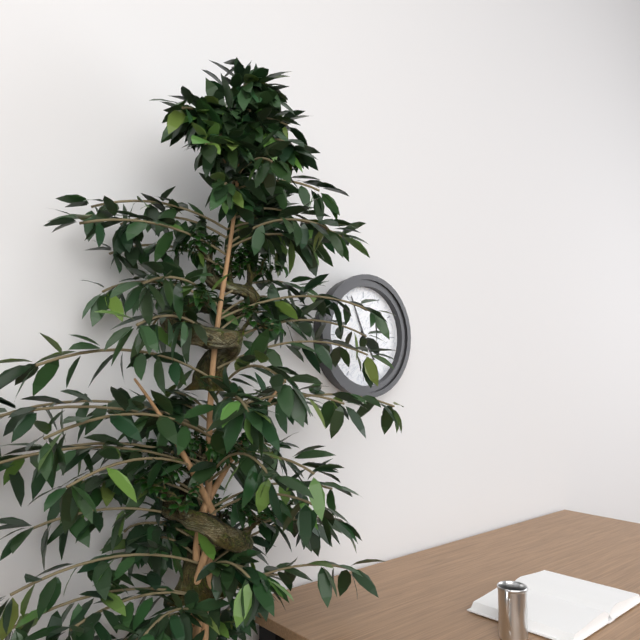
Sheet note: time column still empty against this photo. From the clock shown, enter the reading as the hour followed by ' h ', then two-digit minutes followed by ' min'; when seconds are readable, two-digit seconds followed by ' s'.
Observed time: 4 h 56 min
